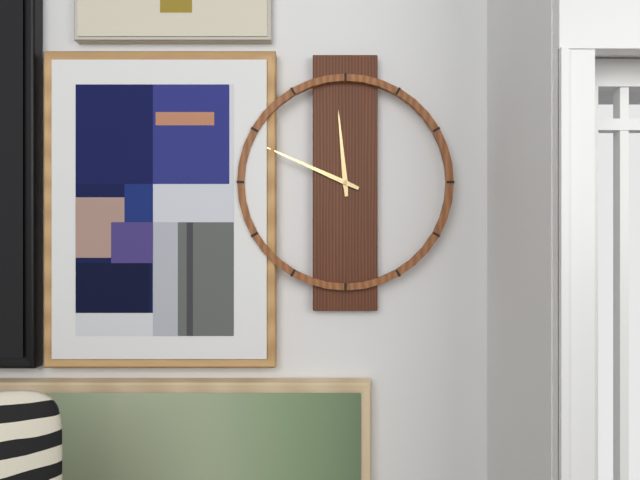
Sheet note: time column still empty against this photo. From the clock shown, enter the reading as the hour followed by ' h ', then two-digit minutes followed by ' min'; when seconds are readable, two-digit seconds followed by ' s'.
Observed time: 11 h 49 min
